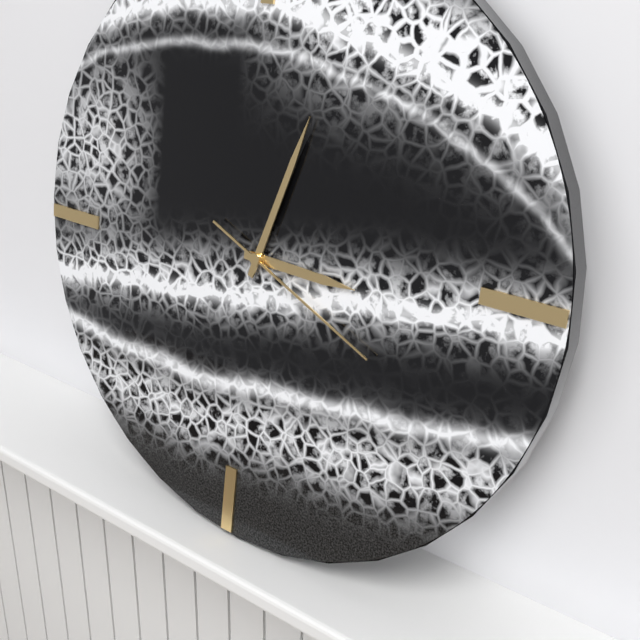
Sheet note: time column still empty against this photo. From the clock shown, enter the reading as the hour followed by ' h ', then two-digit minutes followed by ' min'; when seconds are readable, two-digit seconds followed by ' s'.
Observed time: 3 h 03 min 19 s
